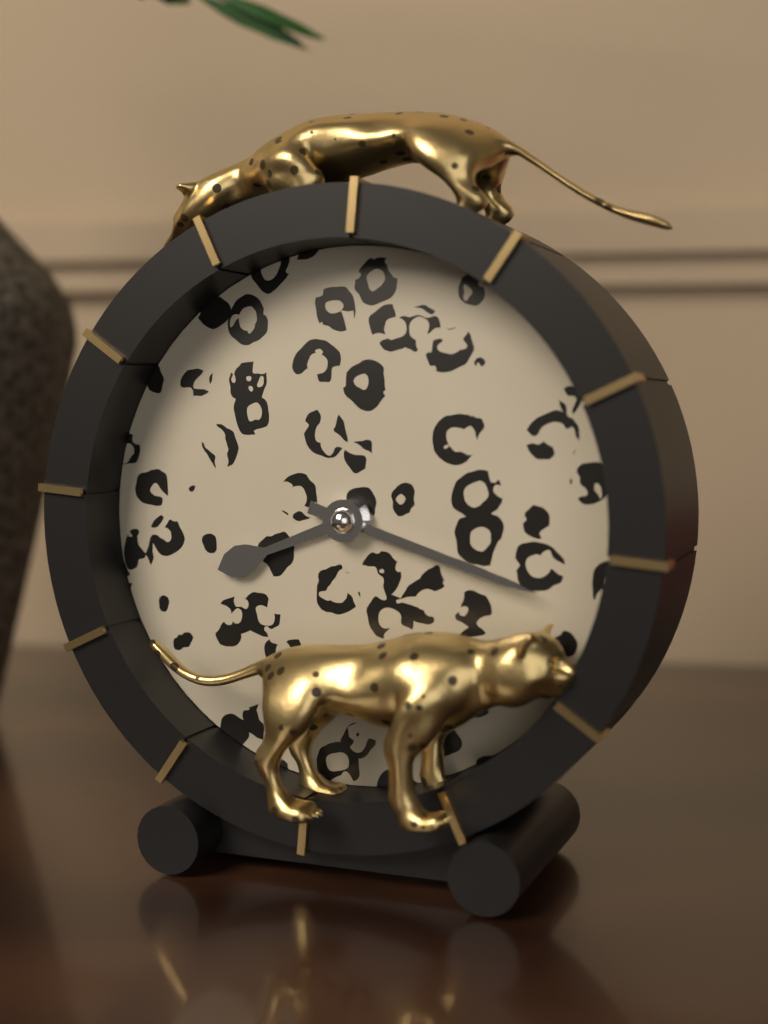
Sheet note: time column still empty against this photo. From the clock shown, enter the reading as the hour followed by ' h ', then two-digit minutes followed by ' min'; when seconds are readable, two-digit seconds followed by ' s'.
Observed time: 8 h 18 min
